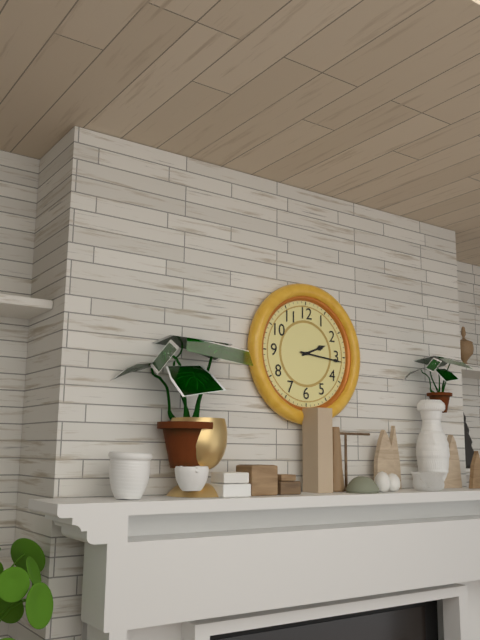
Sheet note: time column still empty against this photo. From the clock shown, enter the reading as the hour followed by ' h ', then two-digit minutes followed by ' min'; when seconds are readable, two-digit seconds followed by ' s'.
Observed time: 2 h 16 min
